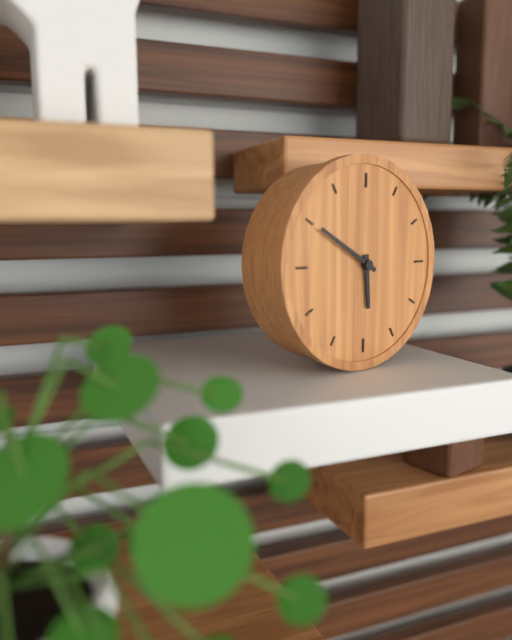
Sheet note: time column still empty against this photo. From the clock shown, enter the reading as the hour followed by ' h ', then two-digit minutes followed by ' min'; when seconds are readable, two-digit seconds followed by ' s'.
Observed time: 5 h 50 min
